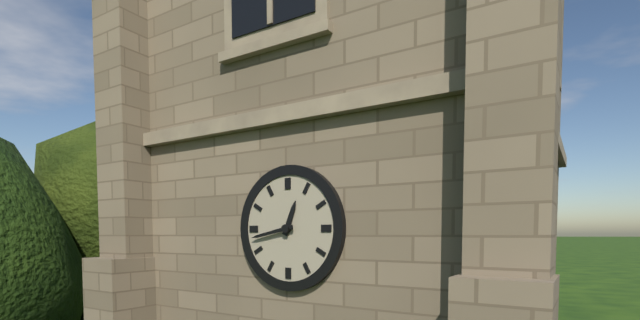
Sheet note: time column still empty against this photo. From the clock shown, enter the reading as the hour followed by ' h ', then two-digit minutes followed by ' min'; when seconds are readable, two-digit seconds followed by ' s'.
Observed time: 12 h 43 min
